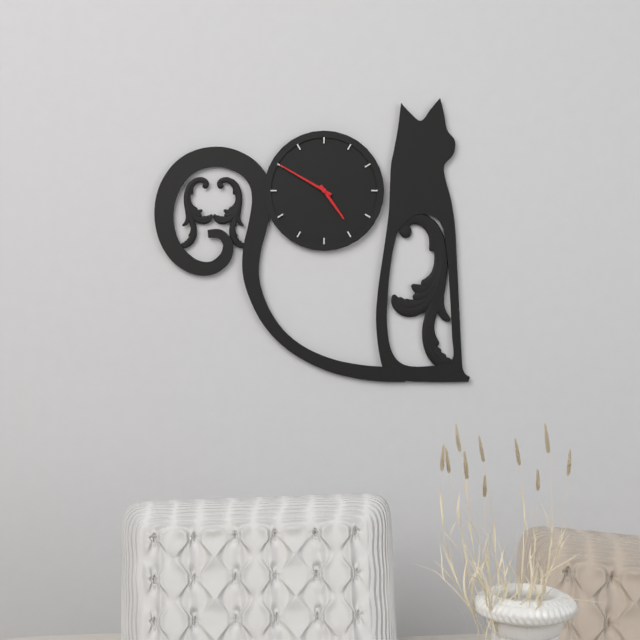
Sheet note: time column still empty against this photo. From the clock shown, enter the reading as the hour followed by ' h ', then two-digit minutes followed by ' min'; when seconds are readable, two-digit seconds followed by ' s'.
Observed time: 4 h 50 min
